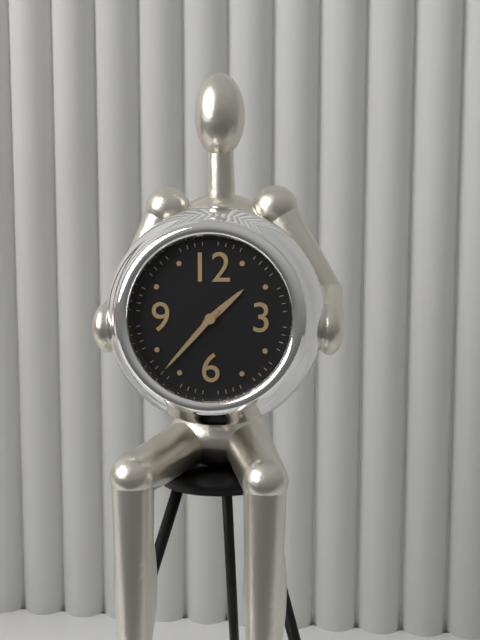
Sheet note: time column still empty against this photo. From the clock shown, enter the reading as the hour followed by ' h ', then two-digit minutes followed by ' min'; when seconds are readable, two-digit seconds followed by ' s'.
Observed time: 1 h 37 min
